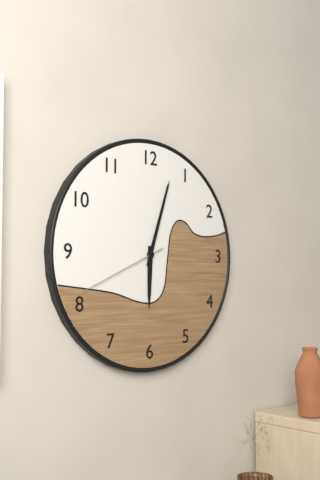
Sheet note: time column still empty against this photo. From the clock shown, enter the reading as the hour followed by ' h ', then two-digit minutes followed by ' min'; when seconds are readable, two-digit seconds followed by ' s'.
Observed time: 6 h 03 min 41 s
